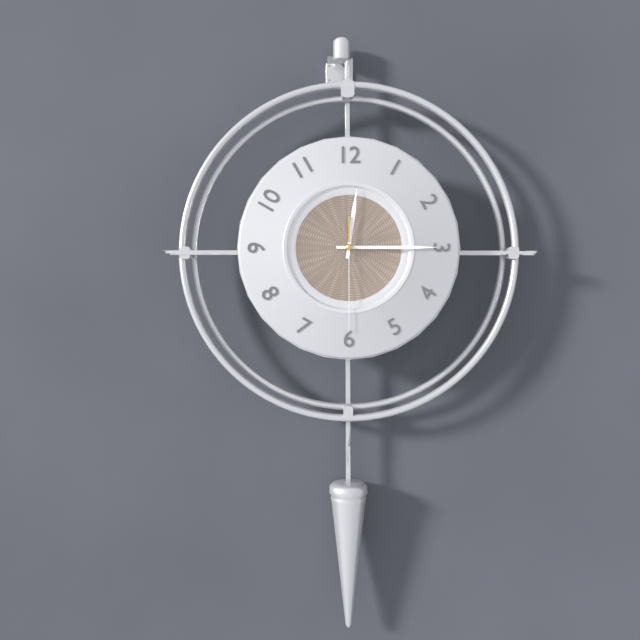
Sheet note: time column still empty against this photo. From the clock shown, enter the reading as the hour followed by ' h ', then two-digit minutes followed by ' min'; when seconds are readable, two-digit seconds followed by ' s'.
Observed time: 12 h 15 min 30 s
